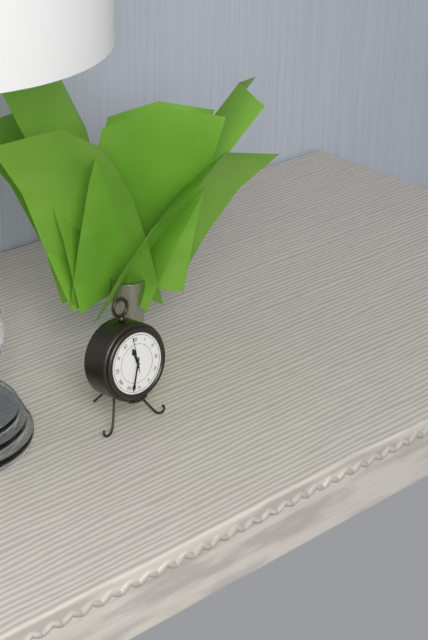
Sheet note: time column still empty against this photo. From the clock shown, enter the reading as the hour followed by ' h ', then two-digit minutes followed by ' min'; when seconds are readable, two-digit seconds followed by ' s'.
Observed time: 11 h 33 min
